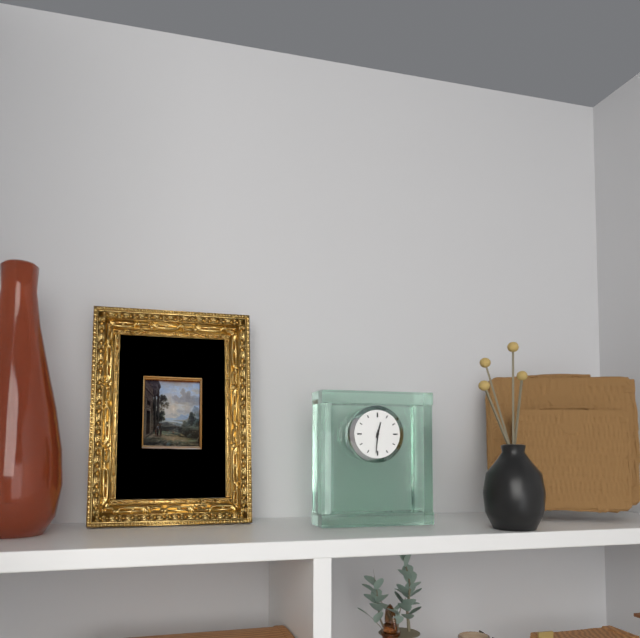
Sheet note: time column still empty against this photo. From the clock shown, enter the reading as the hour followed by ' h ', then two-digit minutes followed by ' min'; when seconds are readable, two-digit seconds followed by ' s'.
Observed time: 12 h 31 min
